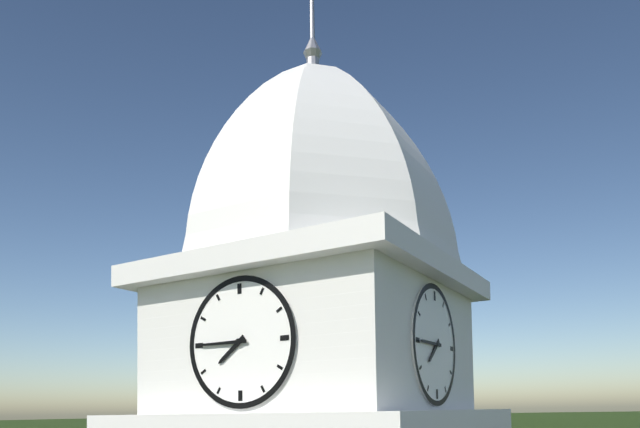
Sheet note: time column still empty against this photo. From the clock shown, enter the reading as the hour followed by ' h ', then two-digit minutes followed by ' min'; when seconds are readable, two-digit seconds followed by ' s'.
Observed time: 7 h 45 min
